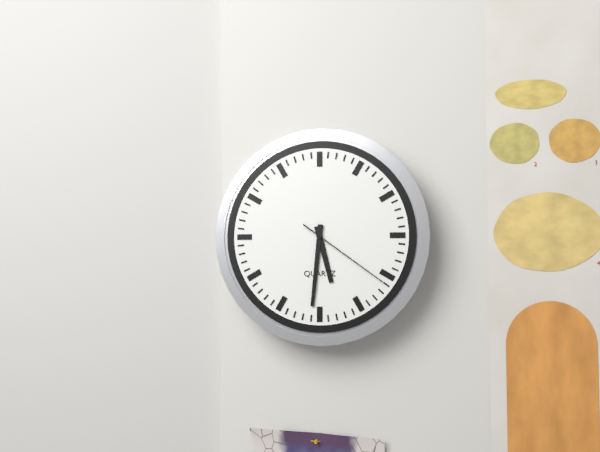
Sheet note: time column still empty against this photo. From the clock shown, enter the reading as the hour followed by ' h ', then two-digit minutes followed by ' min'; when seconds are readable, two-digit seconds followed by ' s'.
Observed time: 5 h 31 min 21 s
